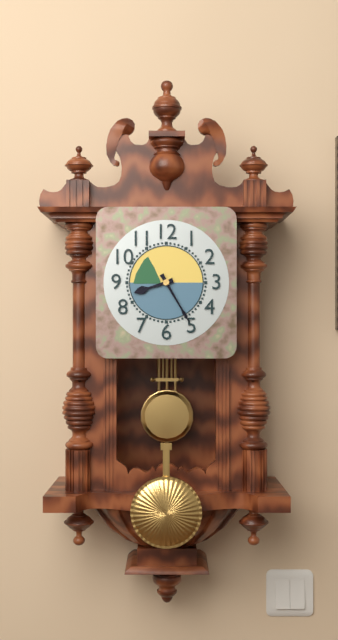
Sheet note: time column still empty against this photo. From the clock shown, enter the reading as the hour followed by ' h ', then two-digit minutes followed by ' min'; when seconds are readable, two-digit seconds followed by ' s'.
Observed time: 8 h 25 min
